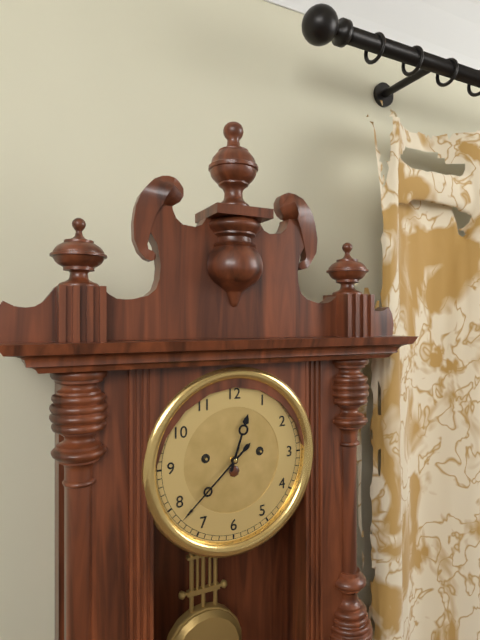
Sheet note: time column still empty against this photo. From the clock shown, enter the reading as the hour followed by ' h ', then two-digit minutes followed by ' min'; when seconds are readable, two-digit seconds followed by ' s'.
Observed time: 12 h 38 min
